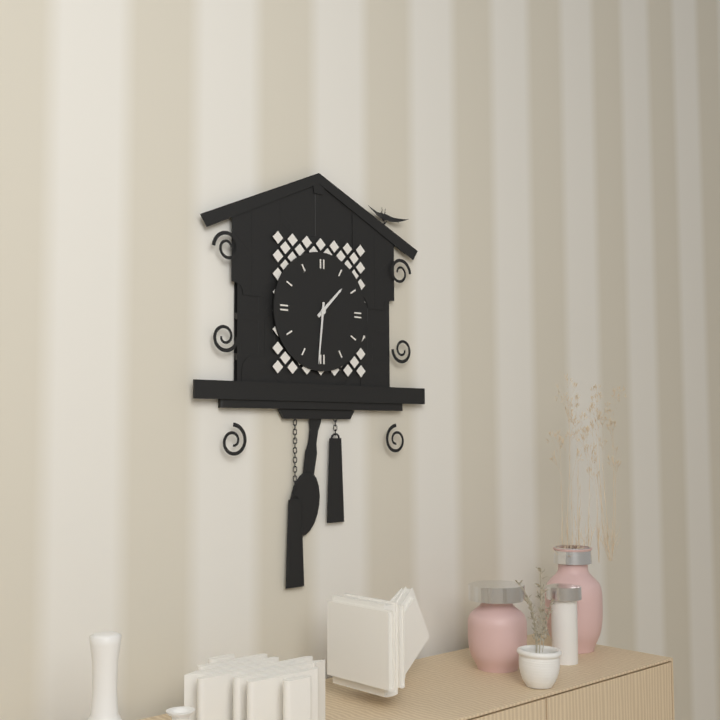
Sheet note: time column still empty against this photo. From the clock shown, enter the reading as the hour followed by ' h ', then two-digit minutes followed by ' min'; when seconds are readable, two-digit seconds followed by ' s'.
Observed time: 1 h 31 min
